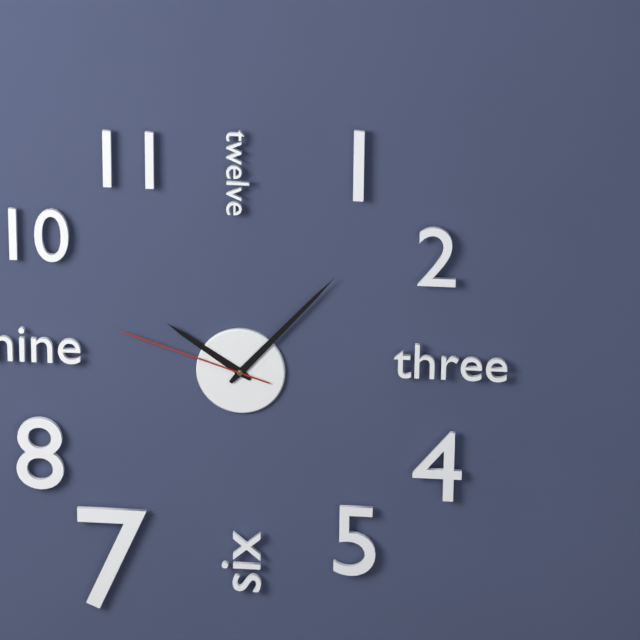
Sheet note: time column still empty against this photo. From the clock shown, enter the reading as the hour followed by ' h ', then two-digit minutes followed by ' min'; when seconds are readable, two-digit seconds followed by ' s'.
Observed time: 10 h 07 min 48 s
